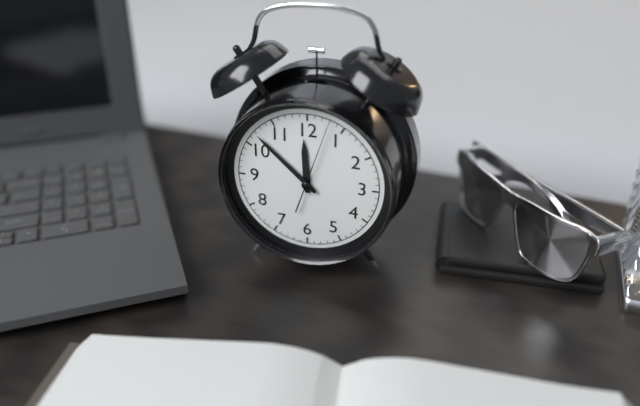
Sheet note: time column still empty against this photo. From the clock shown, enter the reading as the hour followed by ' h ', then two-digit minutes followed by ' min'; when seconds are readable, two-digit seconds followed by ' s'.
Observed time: 11 h 52 min 03 s
